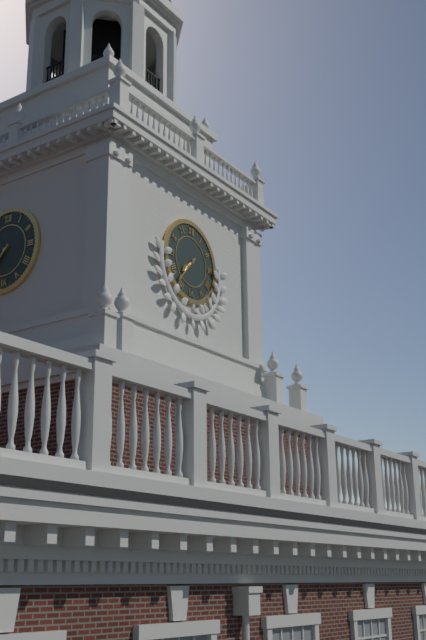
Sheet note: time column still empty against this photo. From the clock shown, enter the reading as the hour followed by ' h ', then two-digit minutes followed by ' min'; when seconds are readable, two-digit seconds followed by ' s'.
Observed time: 7 h 37 min
